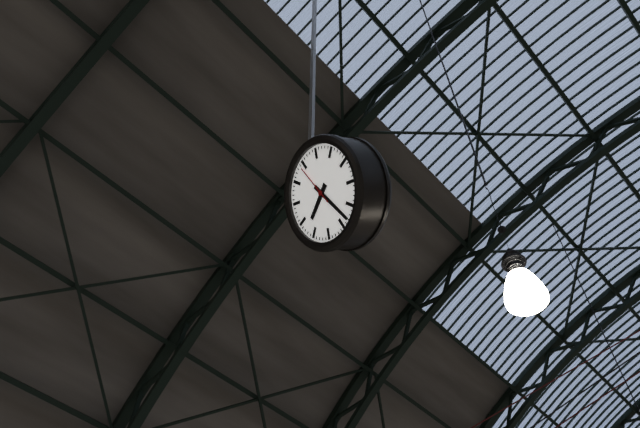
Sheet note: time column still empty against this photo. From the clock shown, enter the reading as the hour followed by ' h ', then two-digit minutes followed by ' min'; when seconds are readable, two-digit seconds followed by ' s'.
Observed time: 8 h 28 min
